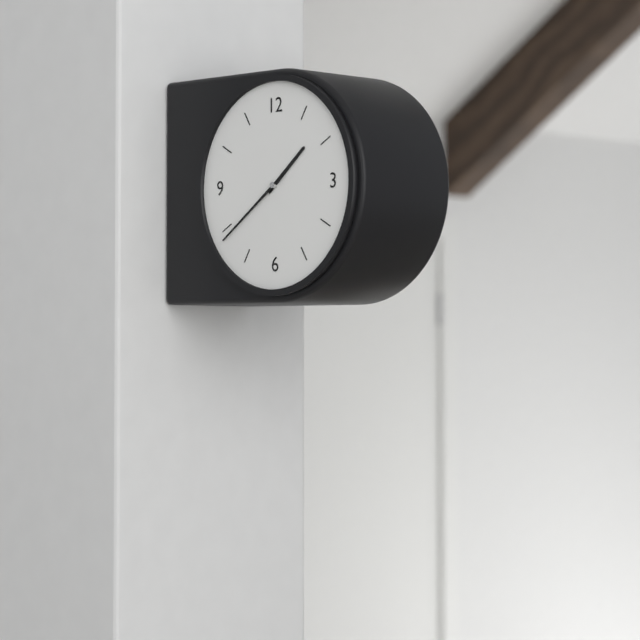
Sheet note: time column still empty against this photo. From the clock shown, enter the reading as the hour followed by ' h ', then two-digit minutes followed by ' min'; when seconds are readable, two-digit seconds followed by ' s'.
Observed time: 1 h 39 min
